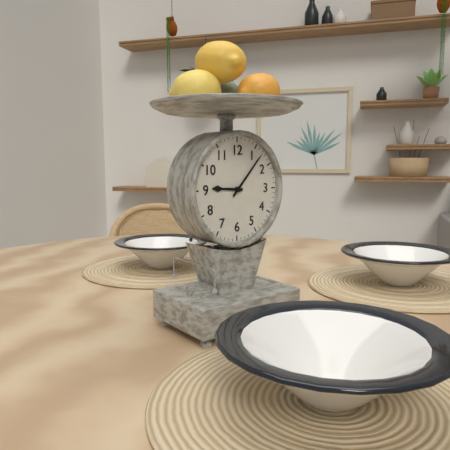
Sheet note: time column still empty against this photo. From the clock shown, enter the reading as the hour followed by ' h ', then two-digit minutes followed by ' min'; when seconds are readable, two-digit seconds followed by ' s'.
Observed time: 9 h 07 min
